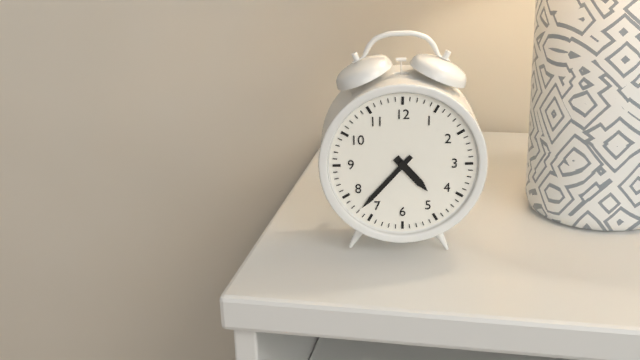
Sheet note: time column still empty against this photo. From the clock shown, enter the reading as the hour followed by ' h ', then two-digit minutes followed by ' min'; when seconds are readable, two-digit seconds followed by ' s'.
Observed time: 4 h 37 min
